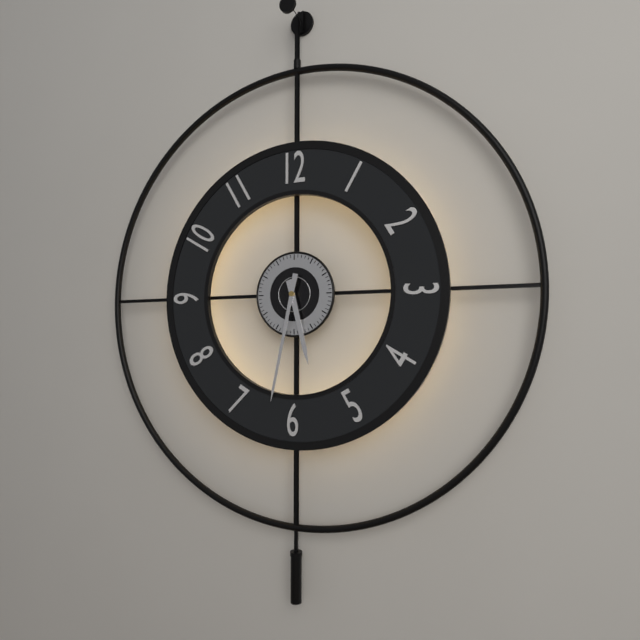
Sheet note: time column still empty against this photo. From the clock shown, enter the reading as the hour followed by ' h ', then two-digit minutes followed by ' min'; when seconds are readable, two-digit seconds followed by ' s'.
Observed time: 5 h 32 min
